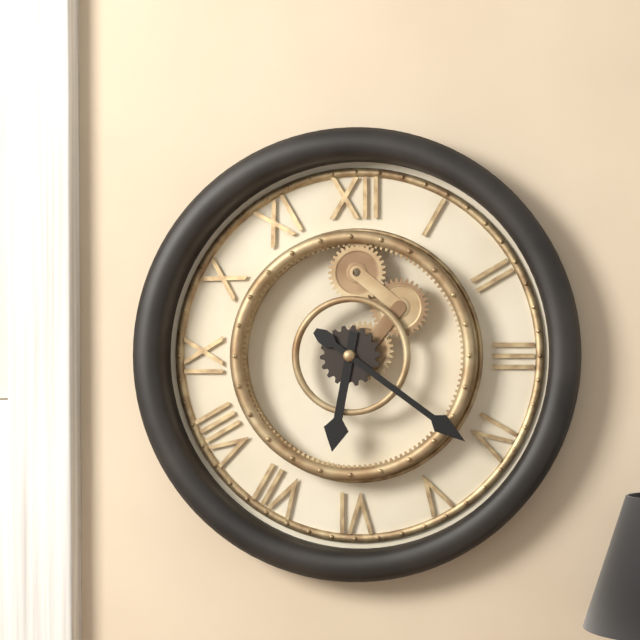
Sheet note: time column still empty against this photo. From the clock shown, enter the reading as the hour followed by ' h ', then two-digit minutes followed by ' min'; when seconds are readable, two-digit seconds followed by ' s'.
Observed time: 6 h 21 min
